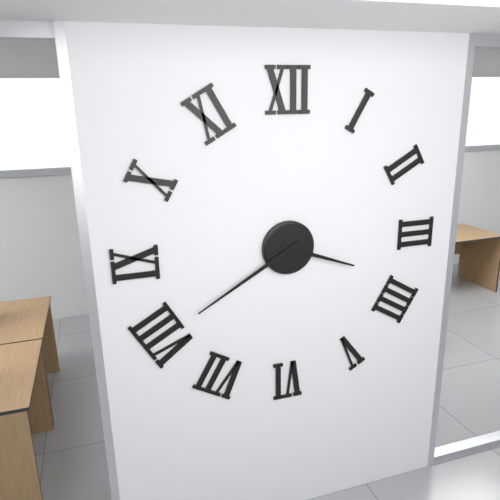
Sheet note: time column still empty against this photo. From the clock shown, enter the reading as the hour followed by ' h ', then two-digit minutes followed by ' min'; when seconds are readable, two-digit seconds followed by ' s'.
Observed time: 3 h 40 min
